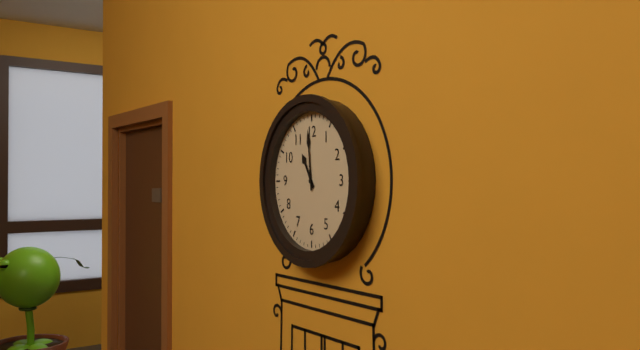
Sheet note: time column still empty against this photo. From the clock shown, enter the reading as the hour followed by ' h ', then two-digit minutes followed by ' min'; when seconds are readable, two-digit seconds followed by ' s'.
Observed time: 10 h 59 min
